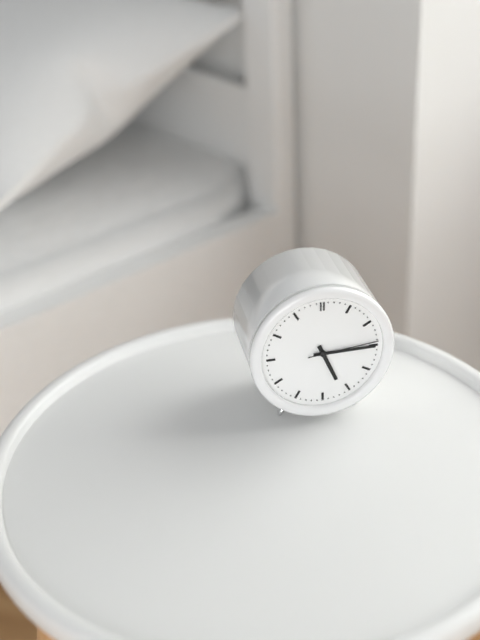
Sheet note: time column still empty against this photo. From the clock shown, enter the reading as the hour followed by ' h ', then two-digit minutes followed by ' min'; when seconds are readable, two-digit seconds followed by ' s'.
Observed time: 5 h 15 min 14 s
